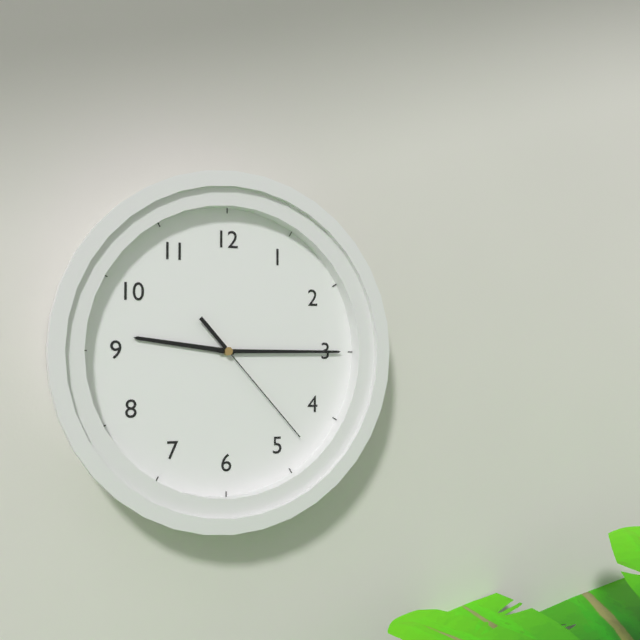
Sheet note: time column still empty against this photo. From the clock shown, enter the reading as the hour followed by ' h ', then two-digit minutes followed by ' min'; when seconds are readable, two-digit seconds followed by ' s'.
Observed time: 9 h 15 min 23 s
